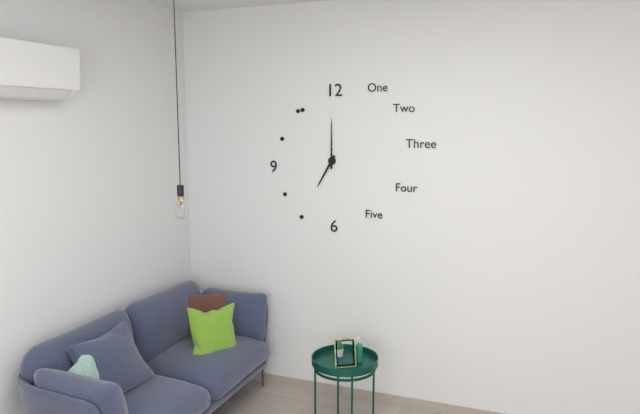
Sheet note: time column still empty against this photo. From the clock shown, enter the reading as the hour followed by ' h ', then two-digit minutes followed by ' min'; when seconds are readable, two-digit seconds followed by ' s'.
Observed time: 7 h 00 min
